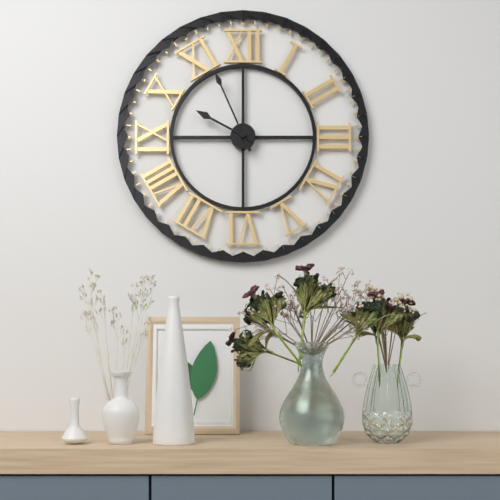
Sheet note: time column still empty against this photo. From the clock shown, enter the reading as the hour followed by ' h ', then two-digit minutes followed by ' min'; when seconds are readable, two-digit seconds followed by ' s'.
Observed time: 9 h 56 min
